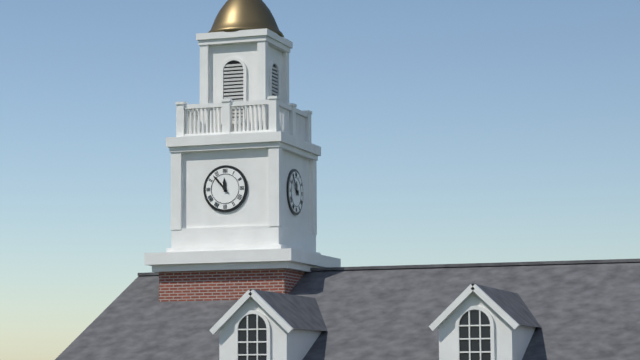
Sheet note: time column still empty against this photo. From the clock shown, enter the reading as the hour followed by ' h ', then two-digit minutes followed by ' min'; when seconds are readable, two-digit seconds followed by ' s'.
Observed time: 11 h 53 min
